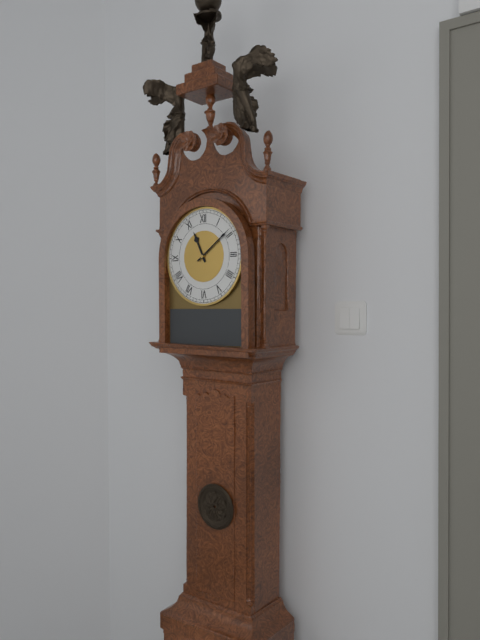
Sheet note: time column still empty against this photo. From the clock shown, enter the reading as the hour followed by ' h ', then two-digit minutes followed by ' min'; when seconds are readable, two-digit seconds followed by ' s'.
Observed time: 11 h 09 min
